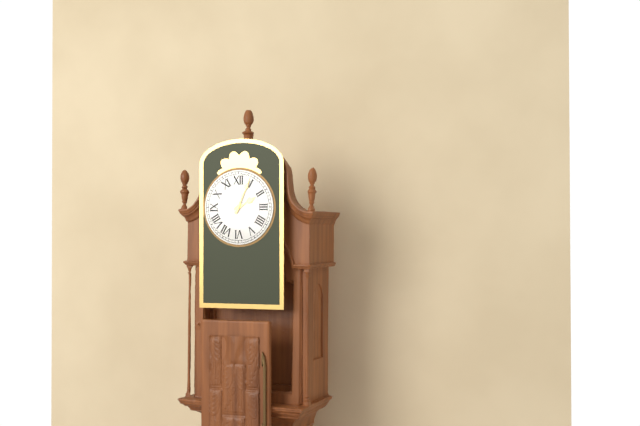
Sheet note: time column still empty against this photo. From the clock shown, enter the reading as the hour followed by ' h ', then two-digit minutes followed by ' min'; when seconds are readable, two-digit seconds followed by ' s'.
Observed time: 2 h 04 min
